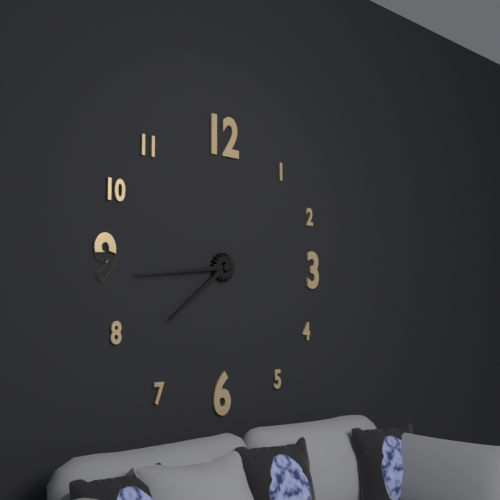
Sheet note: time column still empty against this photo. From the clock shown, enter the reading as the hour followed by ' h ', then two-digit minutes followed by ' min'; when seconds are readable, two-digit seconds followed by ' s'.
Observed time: 7 h 44 min
